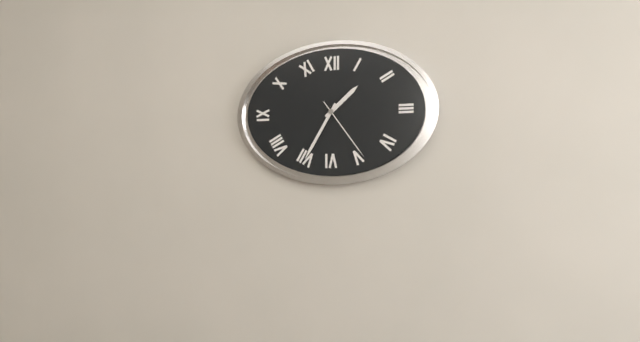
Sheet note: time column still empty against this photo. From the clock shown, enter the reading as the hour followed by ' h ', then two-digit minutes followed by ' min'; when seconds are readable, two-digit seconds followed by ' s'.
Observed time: 1 h 35 min 24 s
